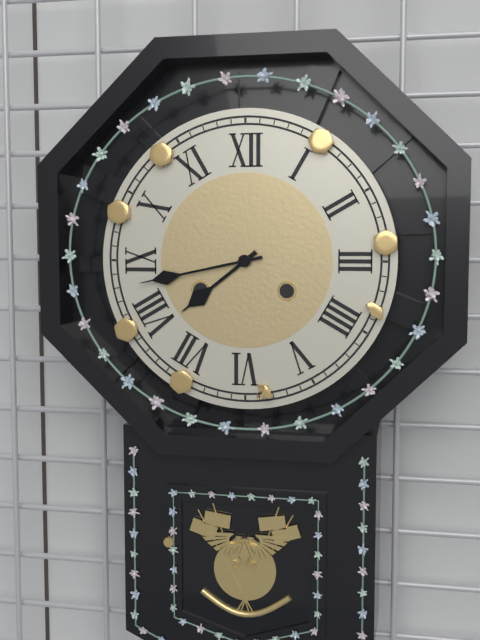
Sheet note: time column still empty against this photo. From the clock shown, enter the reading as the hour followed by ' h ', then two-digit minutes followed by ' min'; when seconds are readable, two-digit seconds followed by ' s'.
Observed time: 7 h 43 min
